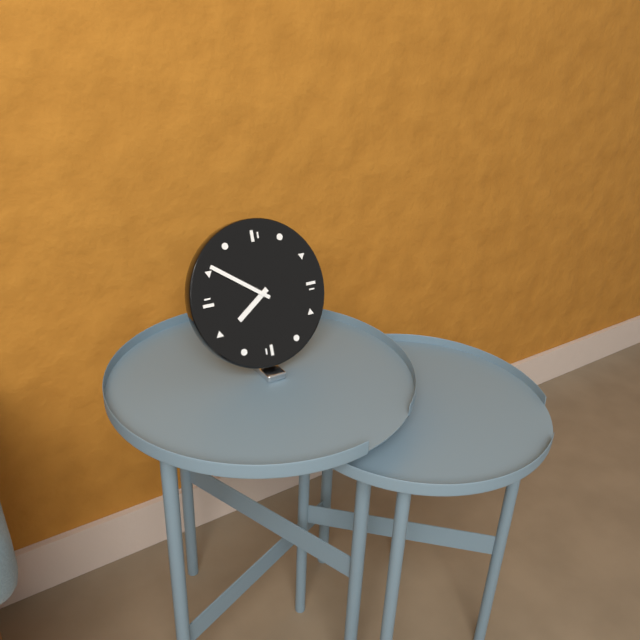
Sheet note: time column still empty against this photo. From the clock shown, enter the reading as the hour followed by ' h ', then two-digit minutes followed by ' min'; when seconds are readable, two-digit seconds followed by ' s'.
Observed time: 7 h 51 min
